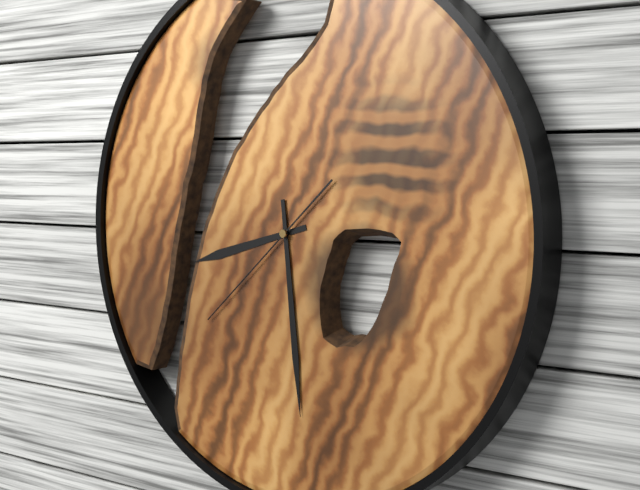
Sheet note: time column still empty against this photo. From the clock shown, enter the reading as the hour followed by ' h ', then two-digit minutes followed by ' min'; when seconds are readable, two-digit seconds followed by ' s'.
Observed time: 8 h 29 min 38 s
